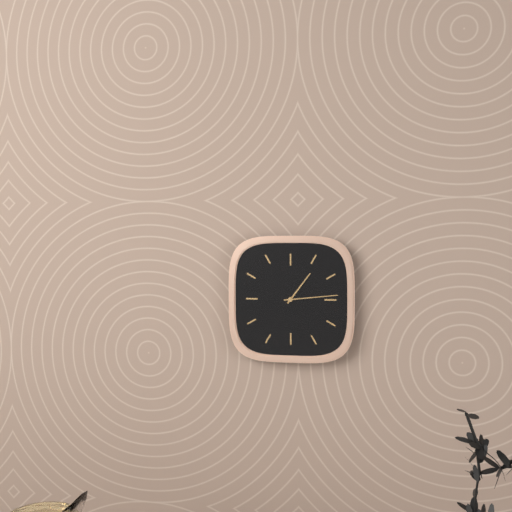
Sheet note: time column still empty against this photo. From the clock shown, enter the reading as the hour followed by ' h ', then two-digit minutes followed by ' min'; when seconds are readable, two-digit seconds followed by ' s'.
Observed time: 1 h 14 min
